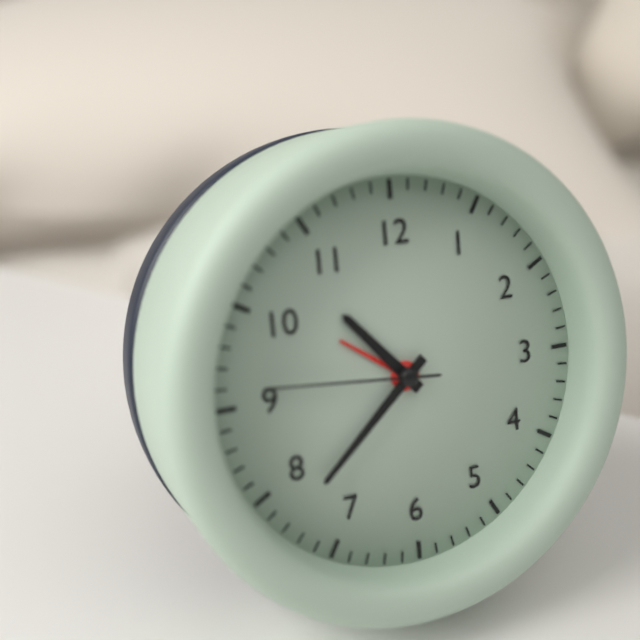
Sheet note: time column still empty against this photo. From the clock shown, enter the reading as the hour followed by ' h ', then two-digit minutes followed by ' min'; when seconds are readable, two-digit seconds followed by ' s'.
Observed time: 10 h 38 min 46 s
